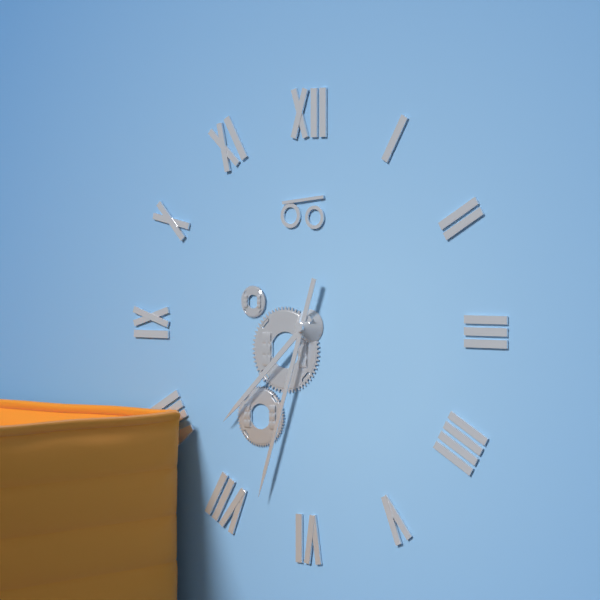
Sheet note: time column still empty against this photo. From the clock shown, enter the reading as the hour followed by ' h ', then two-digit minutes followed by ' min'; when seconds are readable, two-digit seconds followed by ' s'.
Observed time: 7 h 33 min
